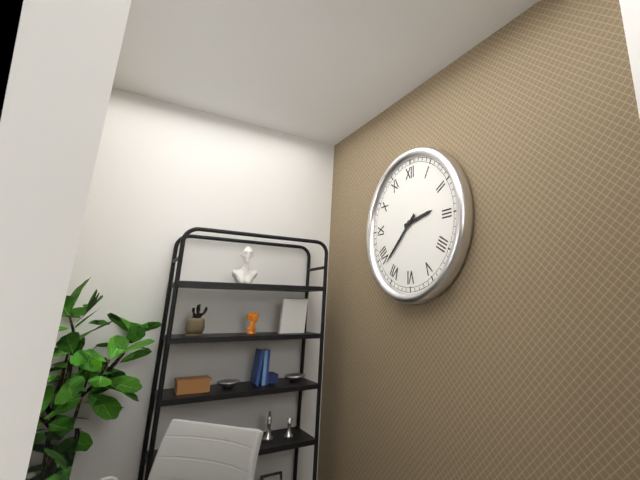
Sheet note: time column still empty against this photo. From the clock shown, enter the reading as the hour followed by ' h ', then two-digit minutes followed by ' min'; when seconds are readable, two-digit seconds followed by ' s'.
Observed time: 2 h 38 min
